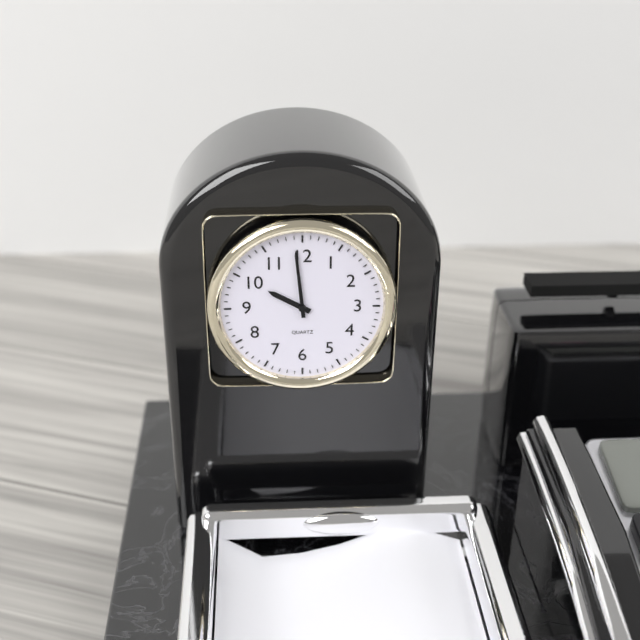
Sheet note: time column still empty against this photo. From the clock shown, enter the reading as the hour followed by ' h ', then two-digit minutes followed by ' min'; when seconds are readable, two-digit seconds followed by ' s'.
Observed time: 9 h 59 min
